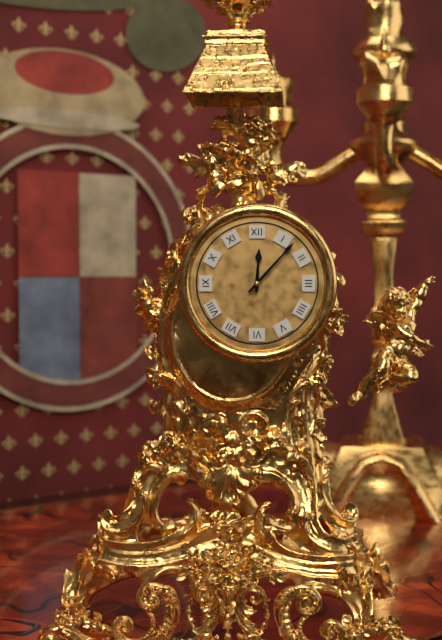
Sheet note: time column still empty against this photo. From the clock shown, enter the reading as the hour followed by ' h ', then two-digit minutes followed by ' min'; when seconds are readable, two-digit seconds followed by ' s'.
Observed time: 12 h 07 min
